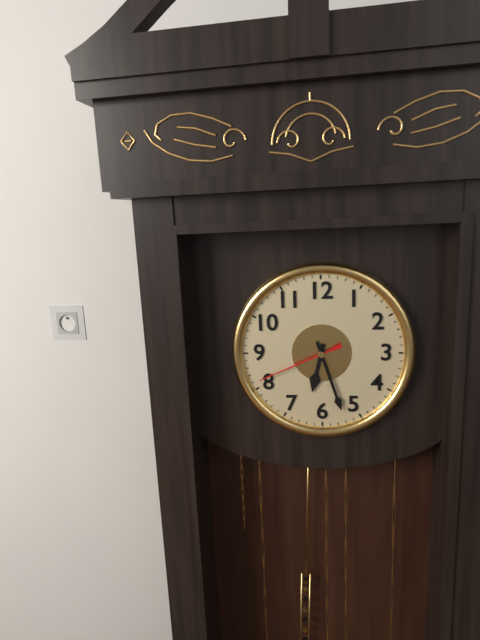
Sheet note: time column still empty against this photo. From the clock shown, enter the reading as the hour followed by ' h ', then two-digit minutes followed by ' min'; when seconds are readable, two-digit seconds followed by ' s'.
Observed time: 6 h 27 min 41 s
